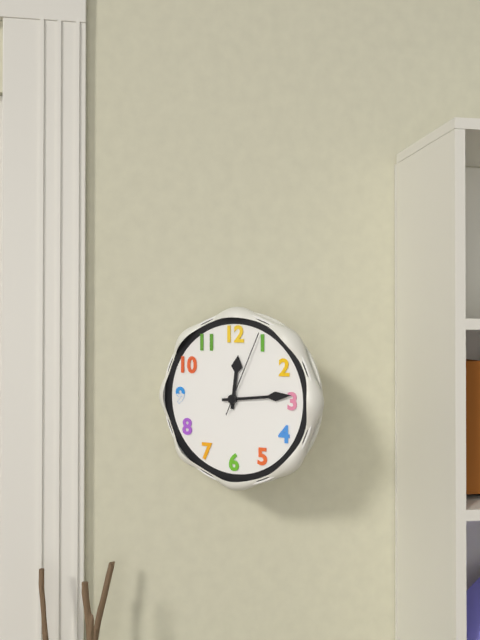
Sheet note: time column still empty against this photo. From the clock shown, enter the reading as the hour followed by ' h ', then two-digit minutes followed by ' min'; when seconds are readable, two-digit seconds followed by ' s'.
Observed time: 12 h 14 min 04 s
